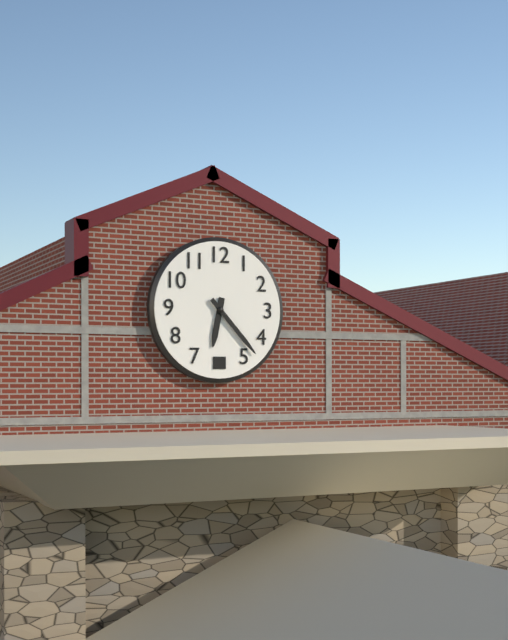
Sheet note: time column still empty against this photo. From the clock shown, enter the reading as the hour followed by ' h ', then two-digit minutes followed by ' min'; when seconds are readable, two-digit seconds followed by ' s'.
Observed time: 6 h 23 min
